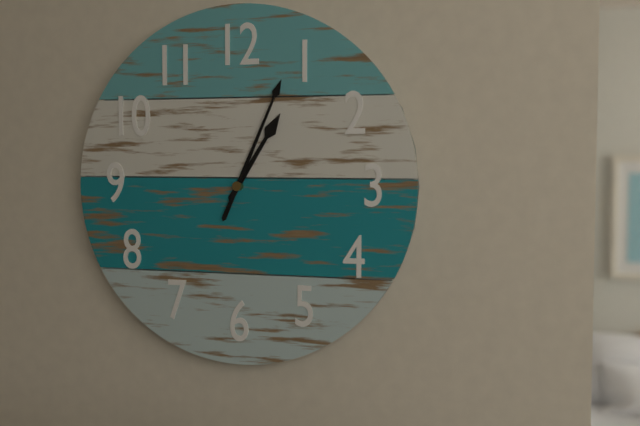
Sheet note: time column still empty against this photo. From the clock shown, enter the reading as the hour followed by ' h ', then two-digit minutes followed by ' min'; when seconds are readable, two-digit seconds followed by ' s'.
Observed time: 1 h 04 min
